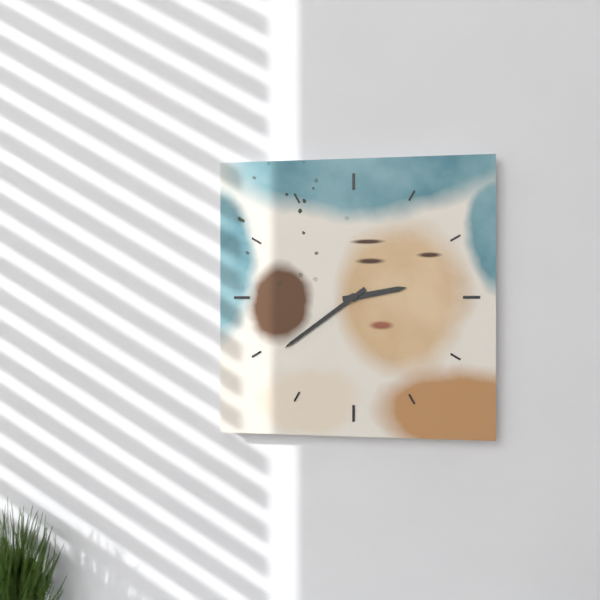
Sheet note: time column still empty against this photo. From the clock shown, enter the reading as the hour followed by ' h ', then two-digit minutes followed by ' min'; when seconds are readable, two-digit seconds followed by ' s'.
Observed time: 2 h 39 min
